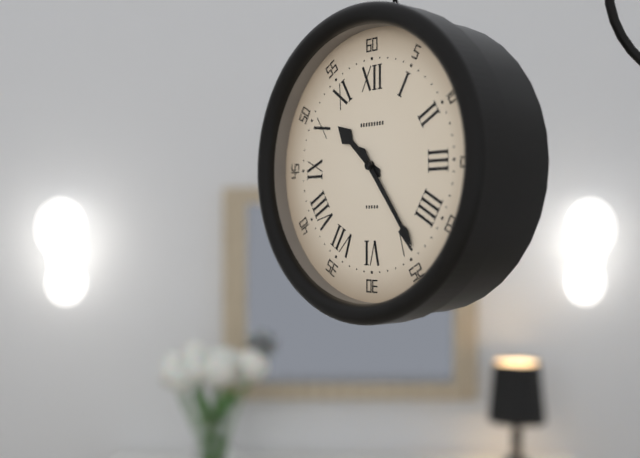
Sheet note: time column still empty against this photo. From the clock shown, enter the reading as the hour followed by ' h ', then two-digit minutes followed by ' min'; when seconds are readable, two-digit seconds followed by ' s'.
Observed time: 10 h 24 min
